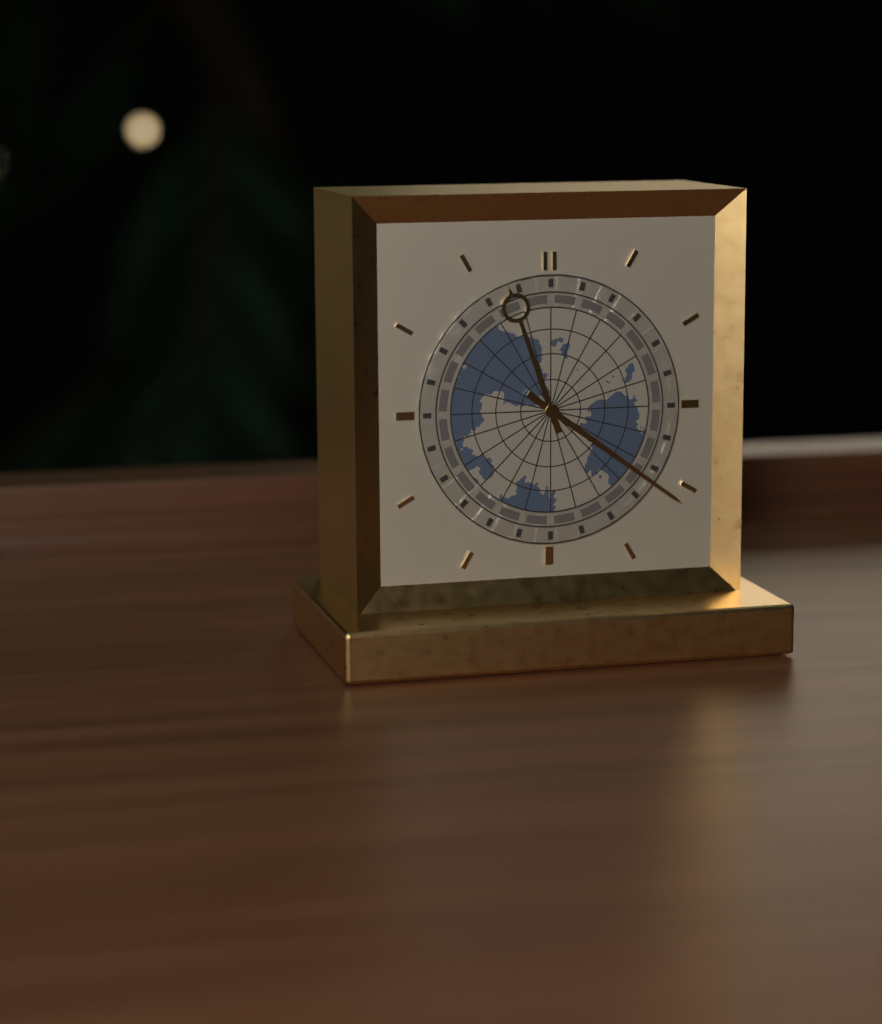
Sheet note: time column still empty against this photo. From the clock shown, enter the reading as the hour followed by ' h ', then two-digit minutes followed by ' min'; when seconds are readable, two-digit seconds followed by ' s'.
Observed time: 11 h 21 min
